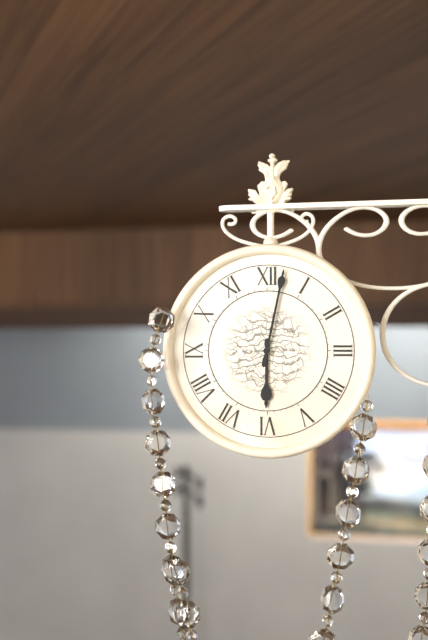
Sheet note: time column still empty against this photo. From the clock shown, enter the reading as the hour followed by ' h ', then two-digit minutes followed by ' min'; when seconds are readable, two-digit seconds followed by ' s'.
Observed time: 6 h 02 min
